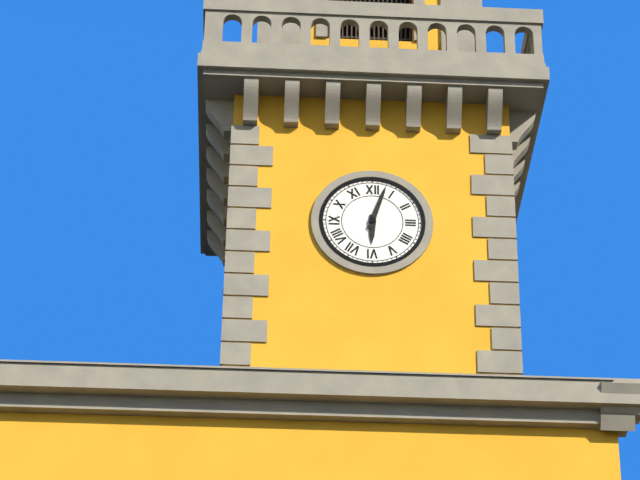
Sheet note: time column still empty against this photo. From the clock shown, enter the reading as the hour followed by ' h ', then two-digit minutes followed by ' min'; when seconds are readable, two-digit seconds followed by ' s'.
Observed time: 6 h 03 min
